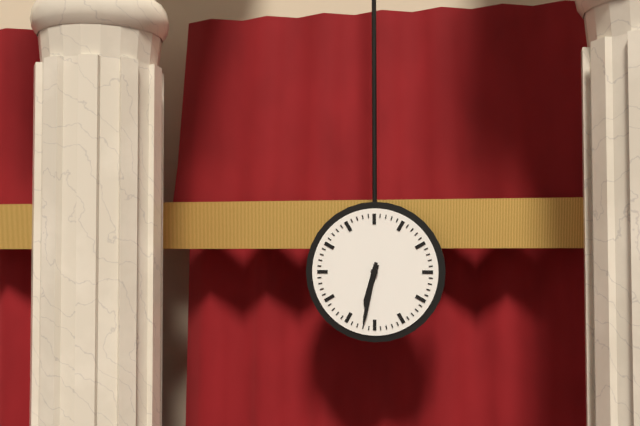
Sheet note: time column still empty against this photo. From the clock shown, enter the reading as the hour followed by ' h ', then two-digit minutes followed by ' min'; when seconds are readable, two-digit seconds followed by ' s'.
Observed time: 6 h 32 min
